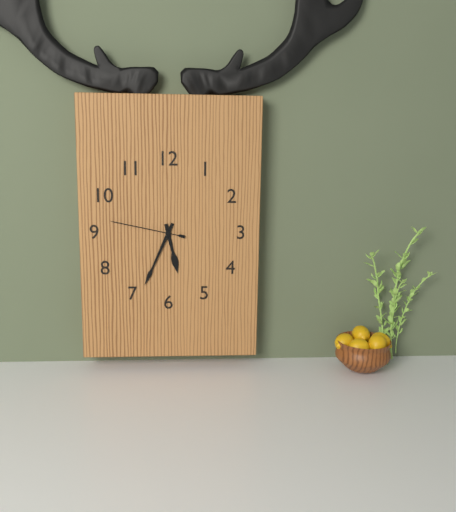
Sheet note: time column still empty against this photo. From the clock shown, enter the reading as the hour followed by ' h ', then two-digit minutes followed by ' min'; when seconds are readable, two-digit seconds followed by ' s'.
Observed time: 5 h 34 min 47 s
